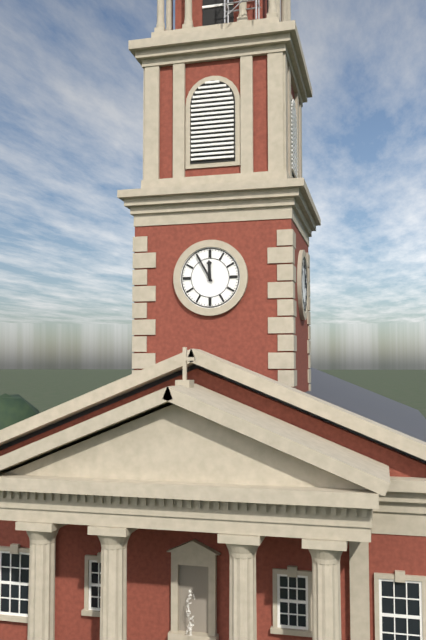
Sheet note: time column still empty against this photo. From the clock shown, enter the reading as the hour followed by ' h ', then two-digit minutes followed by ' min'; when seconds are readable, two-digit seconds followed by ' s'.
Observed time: 11 h 55 min
